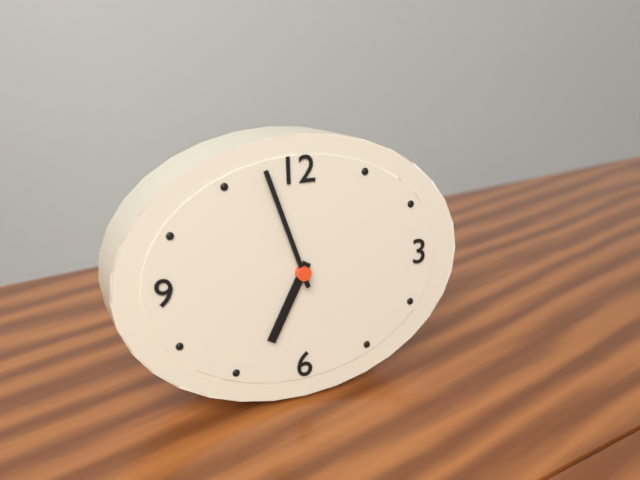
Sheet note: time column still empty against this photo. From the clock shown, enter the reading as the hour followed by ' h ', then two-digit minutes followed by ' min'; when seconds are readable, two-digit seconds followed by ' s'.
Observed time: 6 h 57 min
